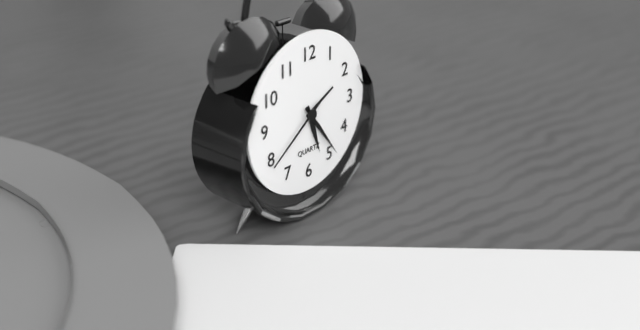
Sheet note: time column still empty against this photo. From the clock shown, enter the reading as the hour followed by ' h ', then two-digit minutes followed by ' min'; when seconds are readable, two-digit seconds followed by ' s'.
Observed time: 5 h 24 min 39 s
